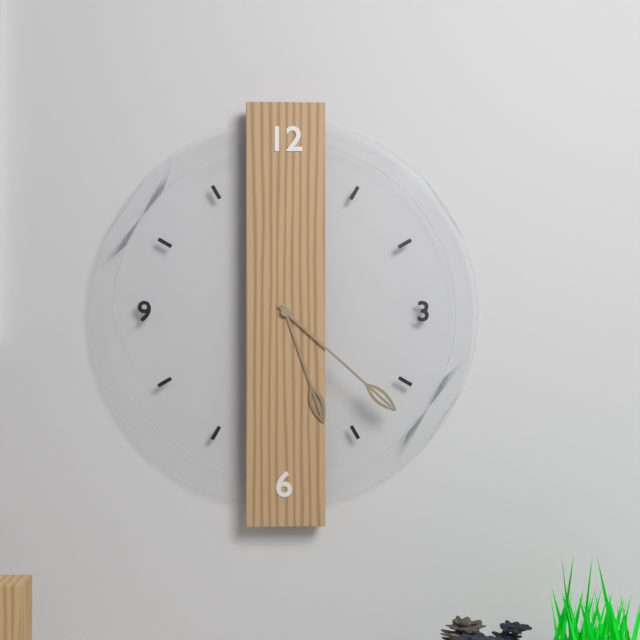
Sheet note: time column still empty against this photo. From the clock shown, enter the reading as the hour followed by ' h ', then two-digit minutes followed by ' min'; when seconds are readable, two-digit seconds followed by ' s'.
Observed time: 5 h 22 min
